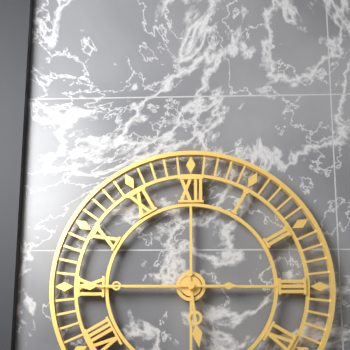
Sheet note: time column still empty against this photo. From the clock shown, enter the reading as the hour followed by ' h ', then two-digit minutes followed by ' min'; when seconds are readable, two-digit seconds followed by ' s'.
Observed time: 5 h 45 min
